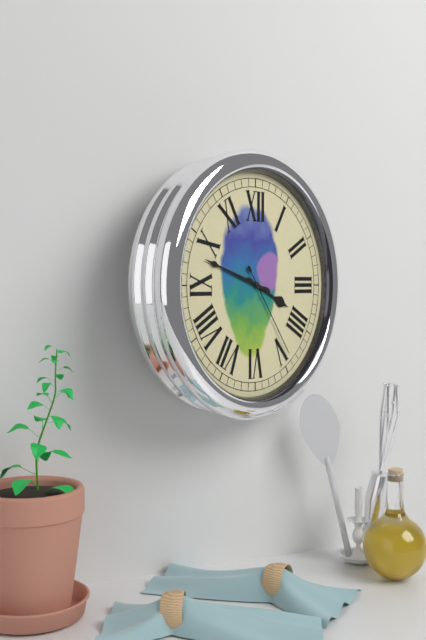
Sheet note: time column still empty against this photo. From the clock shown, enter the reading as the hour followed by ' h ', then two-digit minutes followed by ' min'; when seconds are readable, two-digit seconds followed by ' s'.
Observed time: 3 h 48 min 24 s
